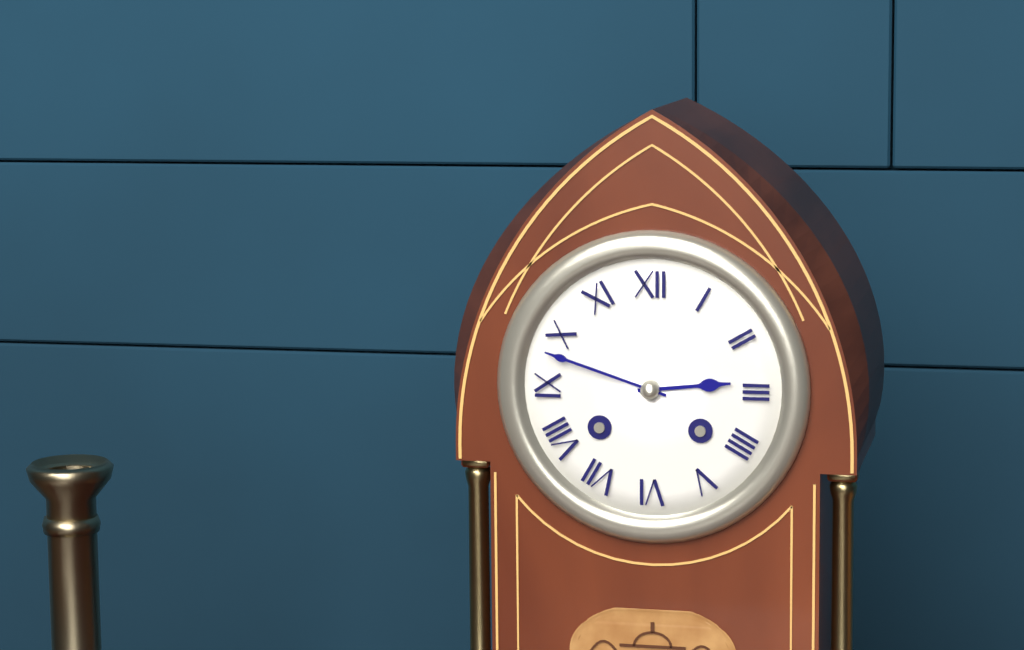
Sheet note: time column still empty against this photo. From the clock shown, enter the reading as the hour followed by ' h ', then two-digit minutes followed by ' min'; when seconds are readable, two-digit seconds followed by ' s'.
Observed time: 2 h 48 min
